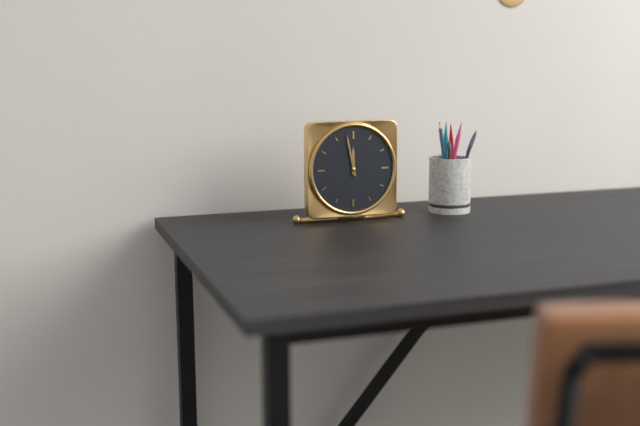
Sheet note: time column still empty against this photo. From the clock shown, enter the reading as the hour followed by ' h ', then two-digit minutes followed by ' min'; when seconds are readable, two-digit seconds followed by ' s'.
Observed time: 11 h 58 min
